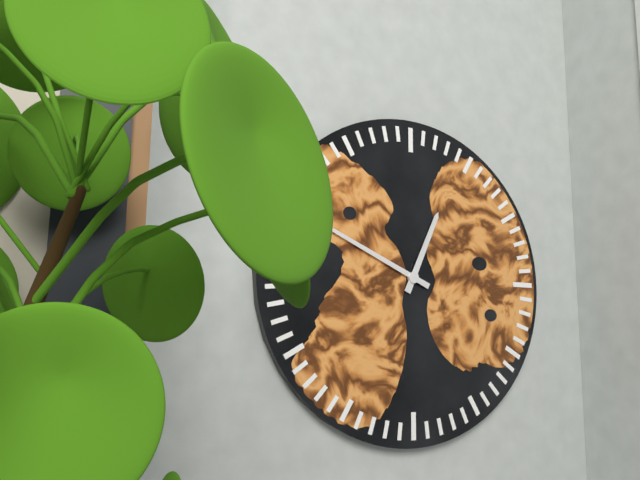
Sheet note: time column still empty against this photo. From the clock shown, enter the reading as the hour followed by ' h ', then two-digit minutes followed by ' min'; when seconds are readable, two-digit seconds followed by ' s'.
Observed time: 12 h 49 min
